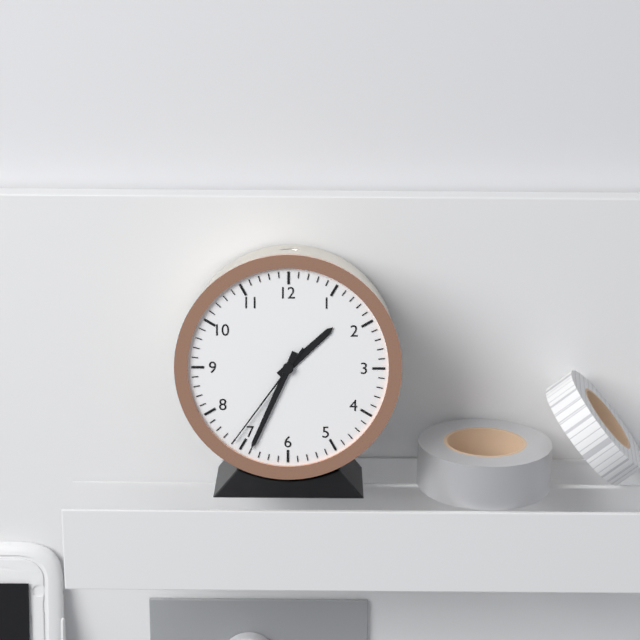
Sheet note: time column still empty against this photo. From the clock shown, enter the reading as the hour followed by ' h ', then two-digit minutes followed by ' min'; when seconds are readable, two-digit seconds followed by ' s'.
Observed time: 1 h 34 min 36 s
